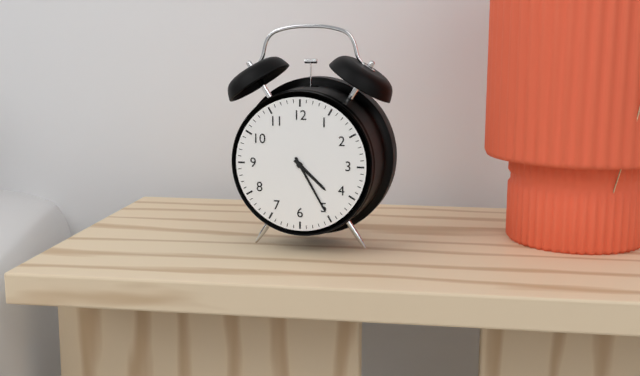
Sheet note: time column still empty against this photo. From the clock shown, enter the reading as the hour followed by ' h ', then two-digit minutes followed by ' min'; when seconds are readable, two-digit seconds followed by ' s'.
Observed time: 4 h 25 min
